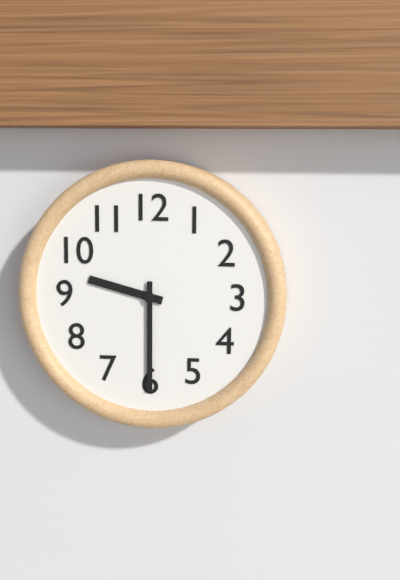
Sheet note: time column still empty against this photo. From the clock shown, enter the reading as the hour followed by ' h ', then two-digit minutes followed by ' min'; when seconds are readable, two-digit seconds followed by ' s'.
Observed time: 9 h 30 min
